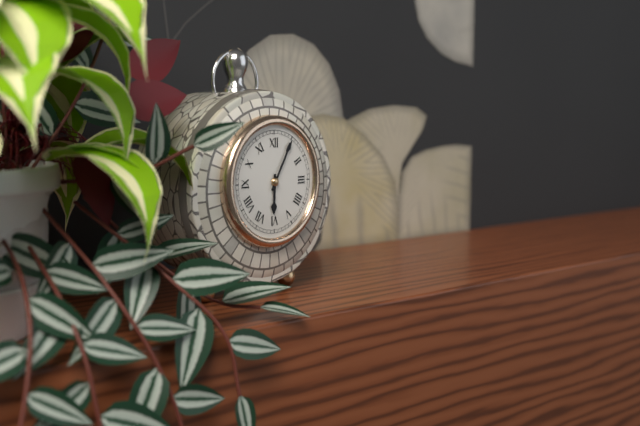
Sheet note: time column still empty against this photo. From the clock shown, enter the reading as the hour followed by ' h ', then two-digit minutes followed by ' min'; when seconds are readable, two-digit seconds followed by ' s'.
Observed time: 6 h 05 min
